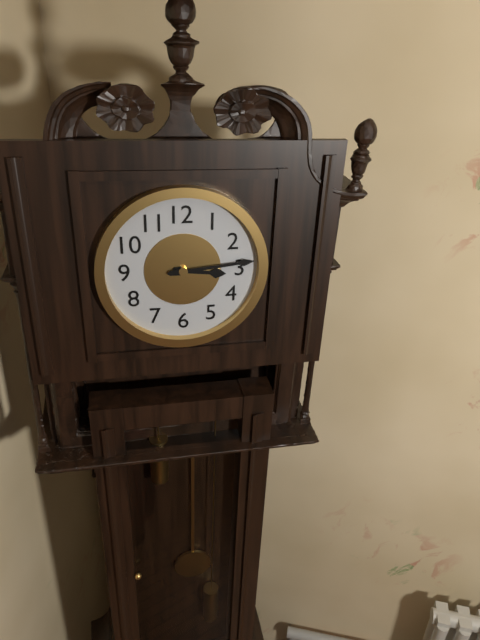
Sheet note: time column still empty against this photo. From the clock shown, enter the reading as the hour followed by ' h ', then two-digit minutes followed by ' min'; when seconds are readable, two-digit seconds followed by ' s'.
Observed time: 3 h 14 min
